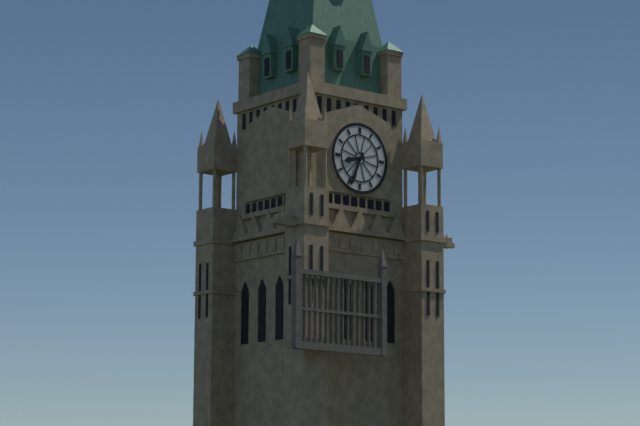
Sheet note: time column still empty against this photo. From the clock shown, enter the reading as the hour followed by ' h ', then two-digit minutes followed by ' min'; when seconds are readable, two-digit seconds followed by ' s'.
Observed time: 8 h 34 min
